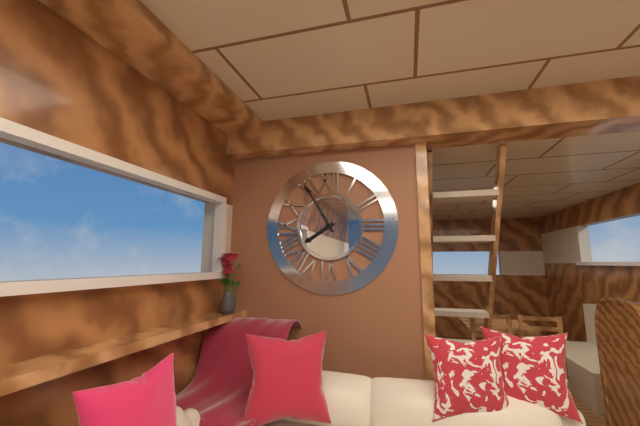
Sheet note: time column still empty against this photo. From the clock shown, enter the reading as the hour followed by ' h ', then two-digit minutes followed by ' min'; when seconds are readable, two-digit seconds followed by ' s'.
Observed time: 7 h 55 min
